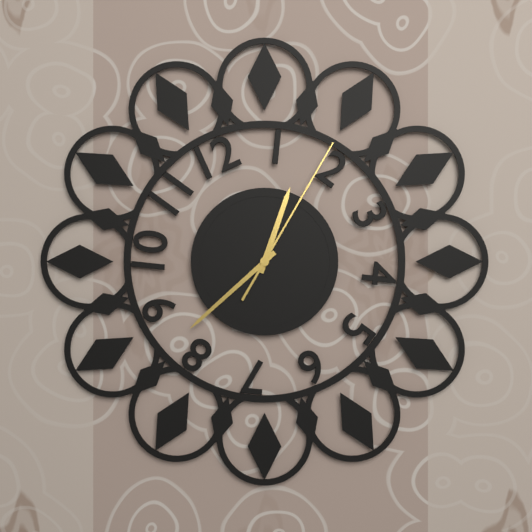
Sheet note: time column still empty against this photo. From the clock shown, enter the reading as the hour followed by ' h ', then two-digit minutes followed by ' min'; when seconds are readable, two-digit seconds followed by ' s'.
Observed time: 12 h 38 min 05 s
